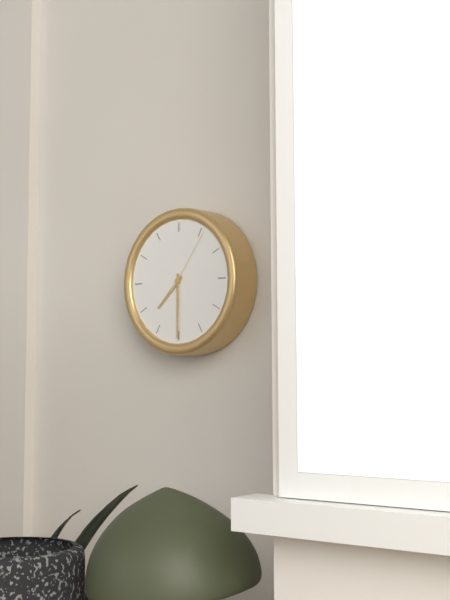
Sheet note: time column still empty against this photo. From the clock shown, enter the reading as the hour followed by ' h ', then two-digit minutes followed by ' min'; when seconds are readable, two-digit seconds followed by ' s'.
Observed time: 7 h 30 min 06 s
